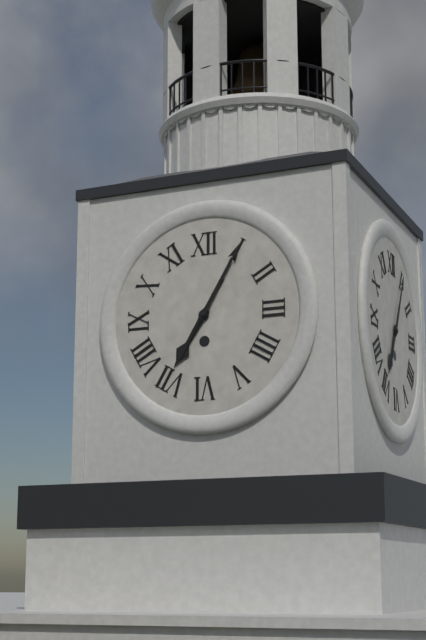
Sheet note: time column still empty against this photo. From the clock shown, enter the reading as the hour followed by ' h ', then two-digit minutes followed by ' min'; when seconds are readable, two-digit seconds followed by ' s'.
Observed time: 7 h 05 min
